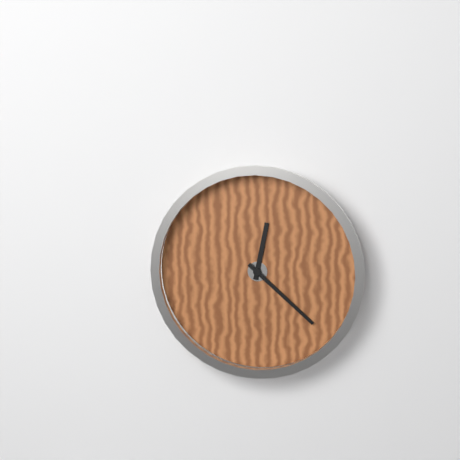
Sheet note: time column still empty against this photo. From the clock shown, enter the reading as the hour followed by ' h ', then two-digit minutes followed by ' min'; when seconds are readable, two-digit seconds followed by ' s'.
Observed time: 12 h 22 min
